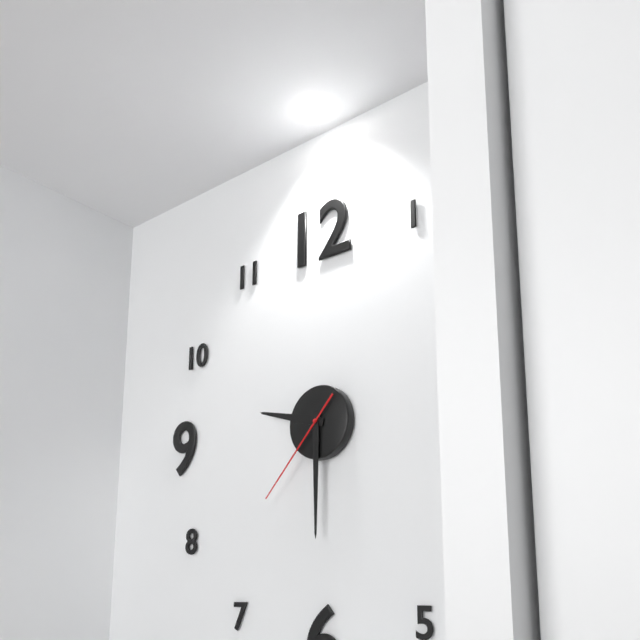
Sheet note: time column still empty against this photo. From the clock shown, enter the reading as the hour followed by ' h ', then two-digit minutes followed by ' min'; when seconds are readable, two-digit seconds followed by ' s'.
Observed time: 9 h 30 min 37 s
